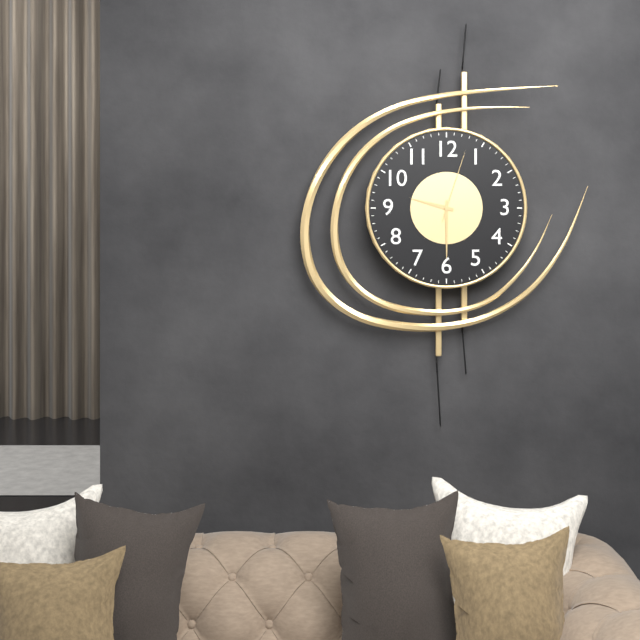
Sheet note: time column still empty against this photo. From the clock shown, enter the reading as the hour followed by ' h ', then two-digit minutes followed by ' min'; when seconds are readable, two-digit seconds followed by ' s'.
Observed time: 9 h 30 min 03 s
